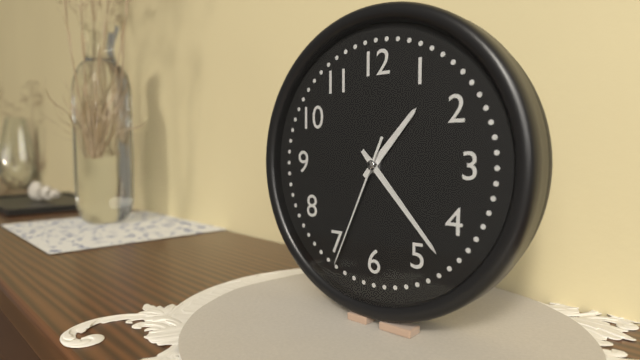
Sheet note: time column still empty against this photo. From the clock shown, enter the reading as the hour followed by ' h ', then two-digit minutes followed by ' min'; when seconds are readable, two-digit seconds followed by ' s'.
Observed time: 1 h 23 min 34 s
